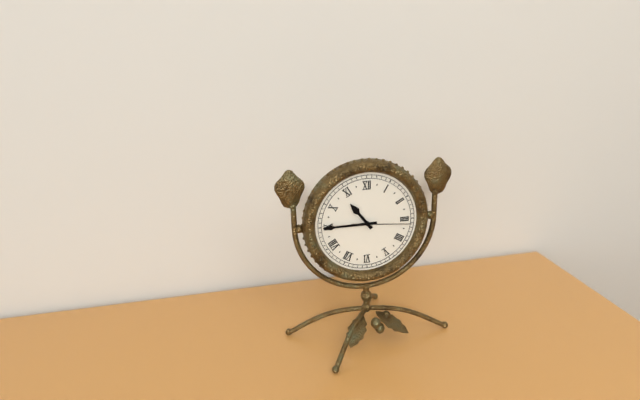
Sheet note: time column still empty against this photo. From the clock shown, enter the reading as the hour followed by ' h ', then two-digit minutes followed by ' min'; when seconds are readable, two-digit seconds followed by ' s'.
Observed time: 10 h 45 min 16 s
